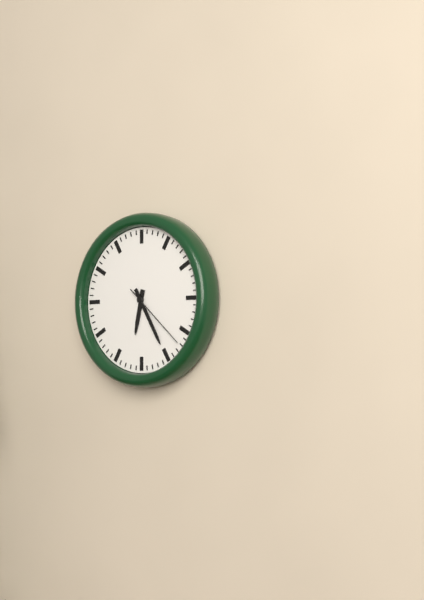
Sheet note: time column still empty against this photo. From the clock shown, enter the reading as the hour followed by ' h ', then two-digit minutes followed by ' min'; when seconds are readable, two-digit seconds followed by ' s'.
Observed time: 6 h 25 min 22 s
